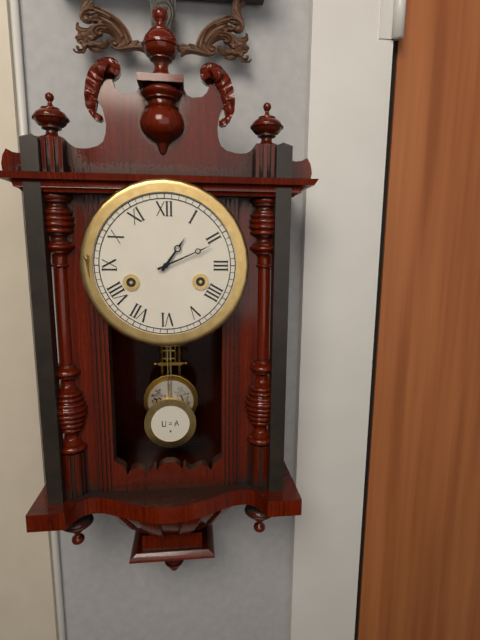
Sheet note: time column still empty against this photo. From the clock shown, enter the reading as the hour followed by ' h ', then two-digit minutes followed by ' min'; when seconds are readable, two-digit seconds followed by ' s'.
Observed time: 1 h 11 min
